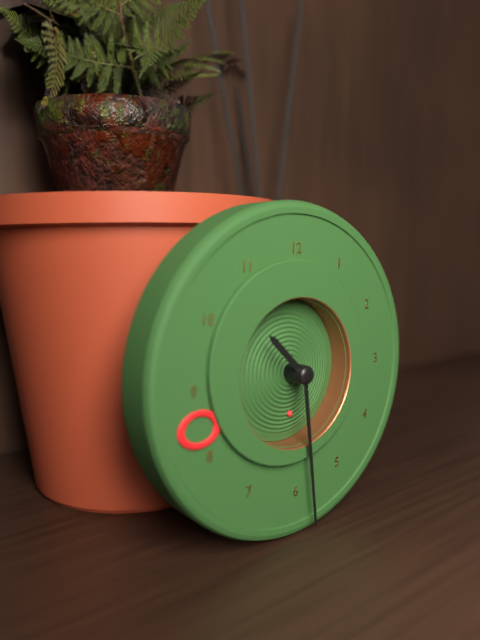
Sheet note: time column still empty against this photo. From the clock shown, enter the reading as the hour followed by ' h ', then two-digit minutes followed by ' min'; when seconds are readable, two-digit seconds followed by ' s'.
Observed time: 10 h 29 min 29 s
